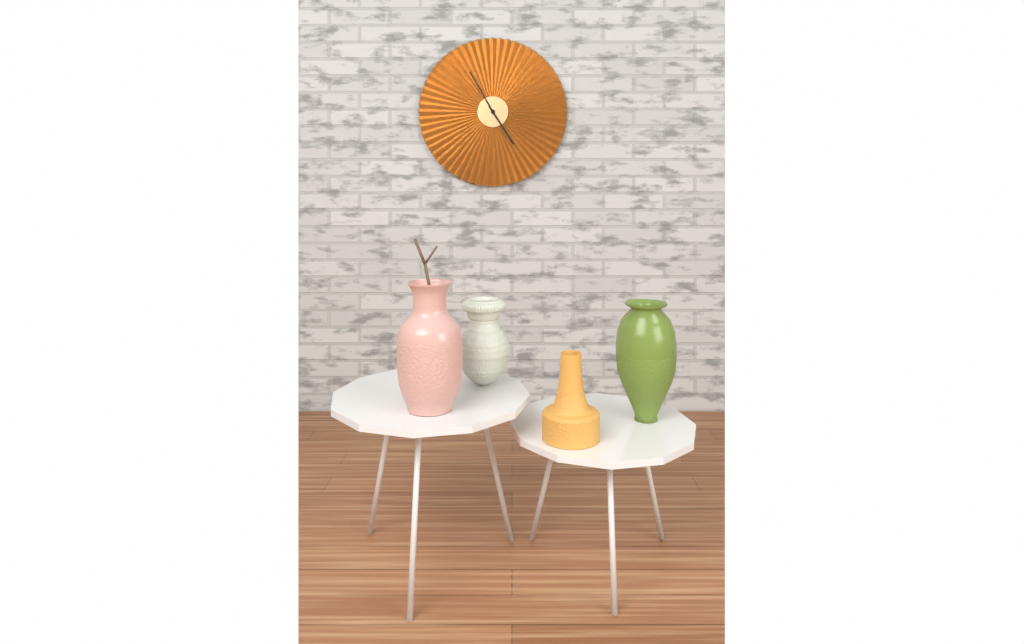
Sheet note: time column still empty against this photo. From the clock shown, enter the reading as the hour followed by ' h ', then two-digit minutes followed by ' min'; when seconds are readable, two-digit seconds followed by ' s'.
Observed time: 4 h 55 min
